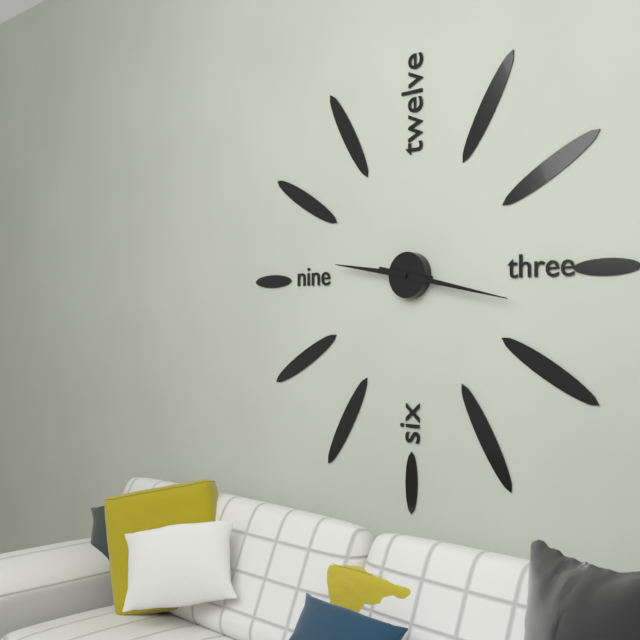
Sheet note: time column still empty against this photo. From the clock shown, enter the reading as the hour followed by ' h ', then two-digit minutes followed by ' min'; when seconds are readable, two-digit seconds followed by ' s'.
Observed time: 9 h 17 min
